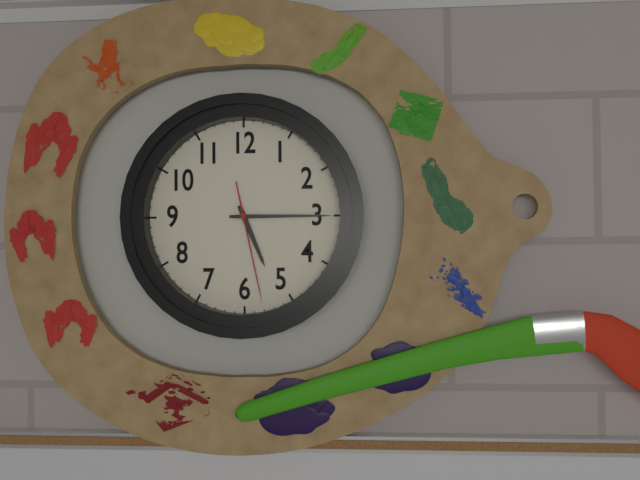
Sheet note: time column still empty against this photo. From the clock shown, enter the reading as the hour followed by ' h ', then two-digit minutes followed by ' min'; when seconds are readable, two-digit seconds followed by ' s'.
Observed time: 5 h 15 min 28 s
